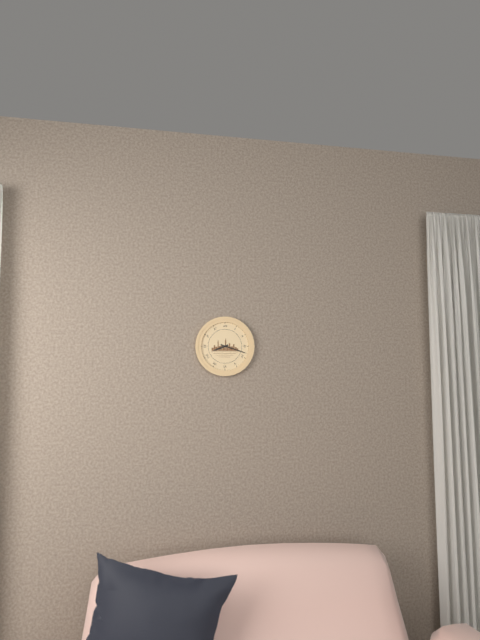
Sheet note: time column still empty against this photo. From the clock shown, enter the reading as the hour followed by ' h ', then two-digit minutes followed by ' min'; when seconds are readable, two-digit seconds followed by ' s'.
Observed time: 8 h 18 min
